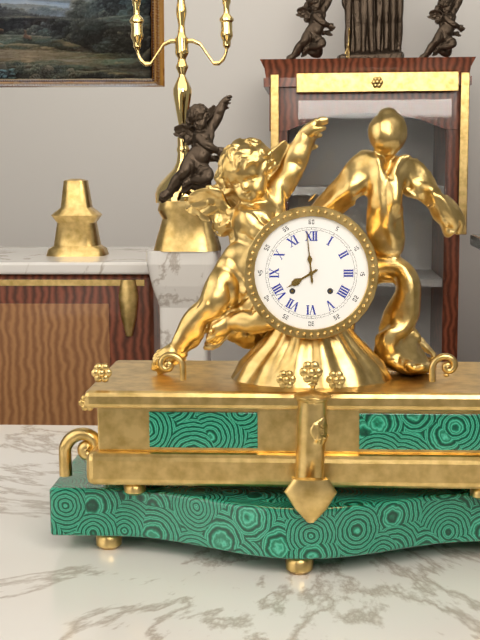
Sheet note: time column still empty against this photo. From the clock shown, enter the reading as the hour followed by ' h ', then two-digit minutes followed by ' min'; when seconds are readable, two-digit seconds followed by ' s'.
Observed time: 7 h 59 min
